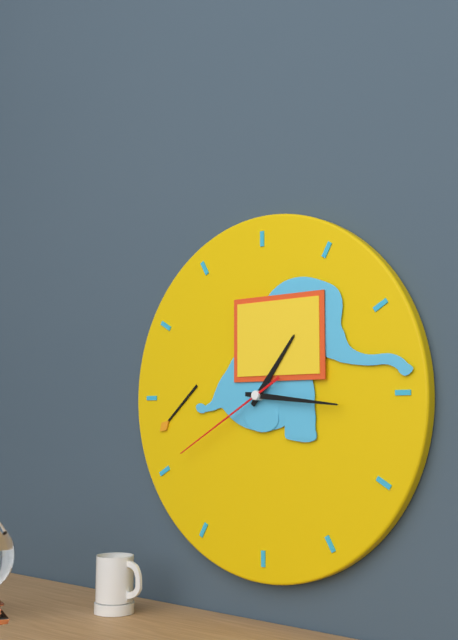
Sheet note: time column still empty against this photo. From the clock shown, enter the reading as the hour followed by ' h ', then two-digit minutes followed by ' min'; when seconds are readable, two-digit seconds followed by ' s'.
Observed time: 1 h 16 min 40 s
